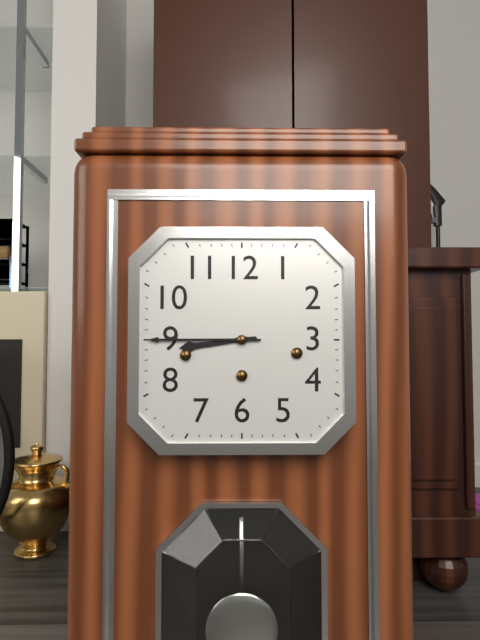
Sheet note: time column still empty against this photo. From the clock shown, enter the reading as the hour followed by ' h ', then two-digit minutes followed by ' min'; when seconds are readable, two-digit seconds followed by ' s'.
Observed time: 8 h 45 min
